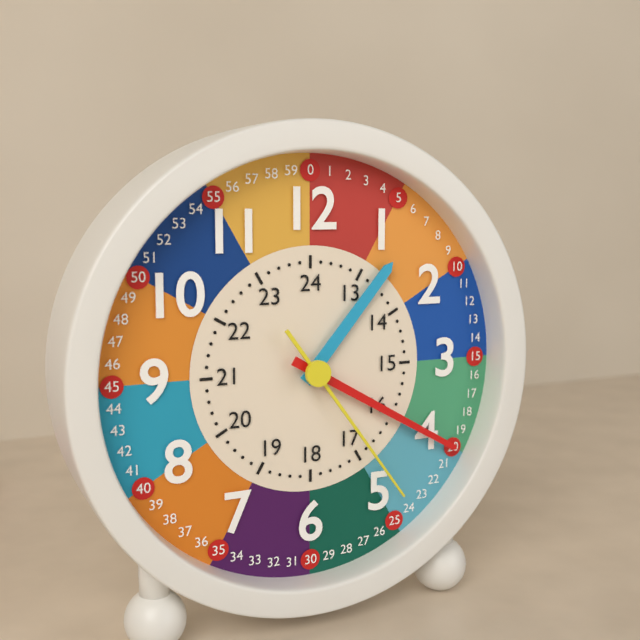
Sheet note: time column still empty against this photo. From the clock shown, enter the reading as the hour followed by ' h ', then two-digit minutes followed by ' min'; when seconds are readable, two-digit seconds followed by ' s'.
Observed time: 1 h 20 min 24 s
